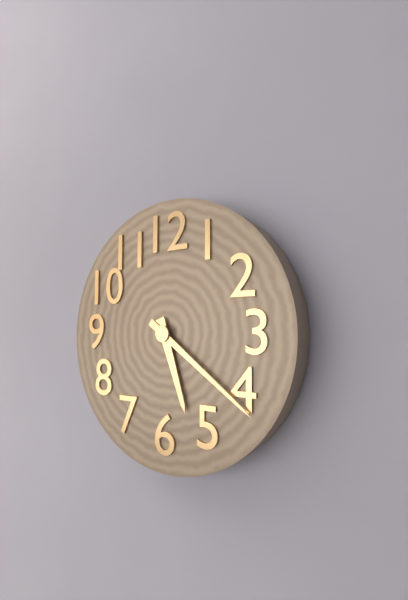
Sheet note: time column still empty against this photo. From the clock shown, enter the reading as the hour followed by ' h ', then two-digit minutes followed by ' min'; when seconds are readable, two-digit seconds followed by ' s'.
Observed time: 5 h 21 min
